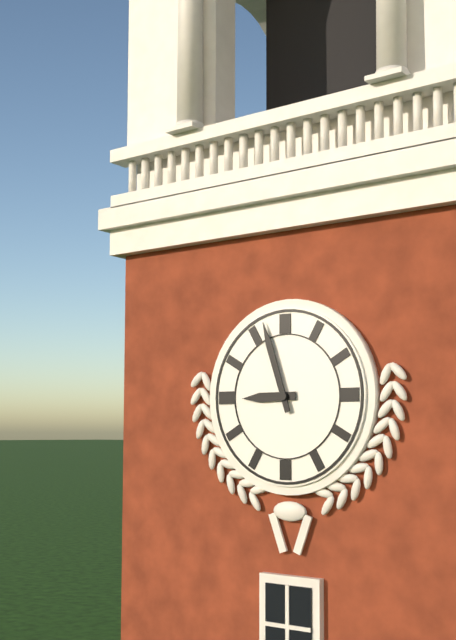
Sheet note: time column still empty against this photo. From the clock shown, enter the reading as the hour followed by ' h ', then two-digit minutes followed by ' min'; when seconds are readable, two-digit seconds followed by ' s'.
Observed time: 8 h 57 min
